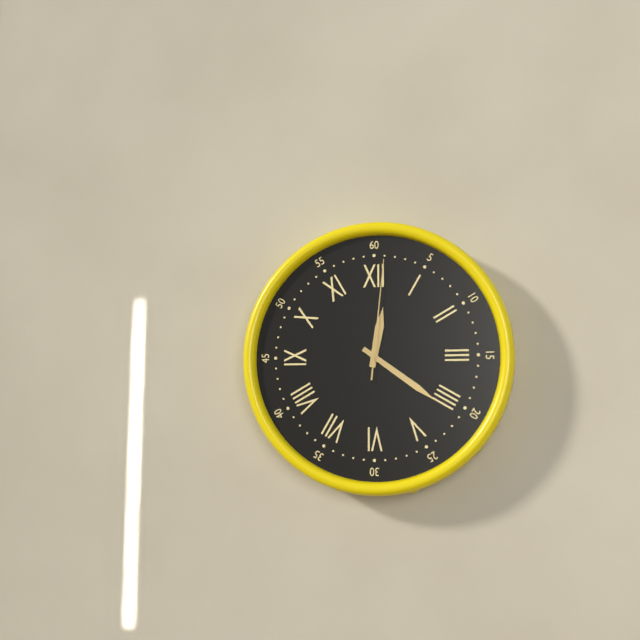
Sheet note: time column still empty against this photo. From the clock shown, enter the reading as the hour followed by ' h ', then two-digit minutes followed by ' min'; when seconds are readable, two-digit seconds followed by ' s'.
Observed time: 12 h 21 min 01 s
